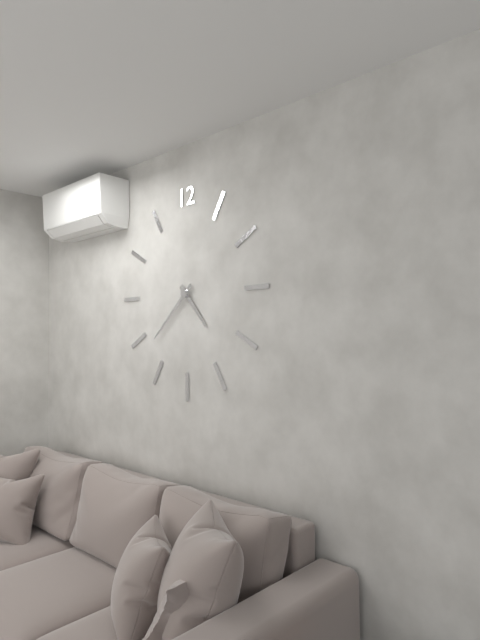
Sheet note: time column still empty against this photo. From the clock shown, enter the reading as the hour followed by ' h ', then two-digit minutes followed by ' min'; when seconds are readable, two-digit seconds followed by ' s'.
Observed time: 4 h 38 min
